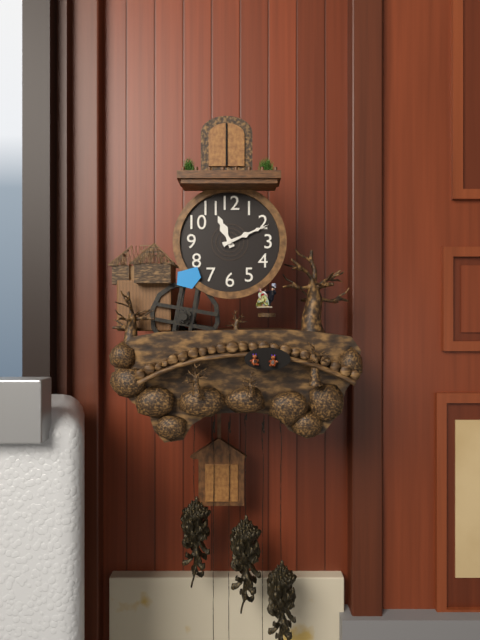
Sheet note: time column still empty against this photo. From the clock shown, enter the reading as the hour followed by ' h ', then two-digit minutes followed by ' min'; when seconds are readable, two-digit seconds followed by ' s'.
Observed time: 11 h 11 min
